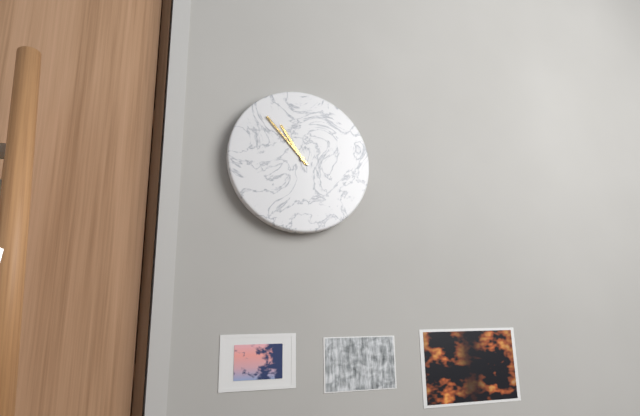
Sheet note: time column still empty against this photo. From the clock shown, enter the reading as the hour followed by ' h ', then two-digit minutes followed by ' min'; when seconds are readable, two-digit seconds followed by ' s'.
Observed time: 10 h 53 min
